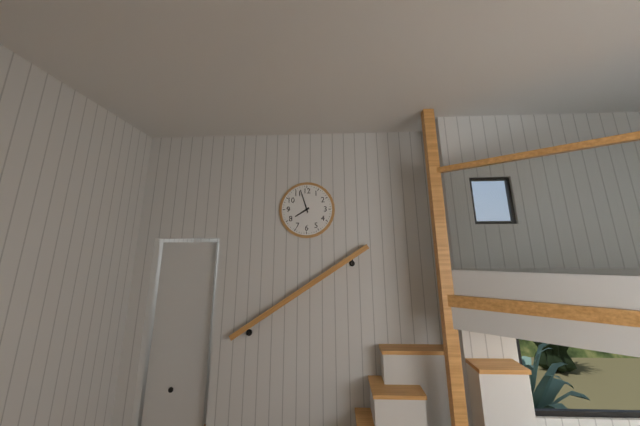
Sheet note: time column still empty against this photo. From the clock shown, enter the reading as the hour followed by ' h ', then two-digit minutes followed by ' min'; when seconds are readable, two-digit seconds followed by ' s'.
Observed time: 7 h 57 min
